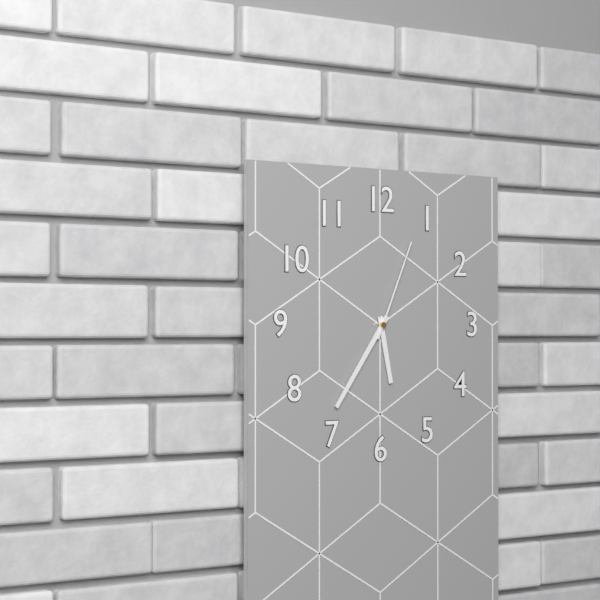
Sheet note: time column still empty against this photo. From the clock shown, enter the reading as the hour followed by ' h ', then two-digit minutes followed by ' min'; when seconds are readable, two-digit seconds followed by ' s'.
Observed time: 5 h 36 min 04 s
